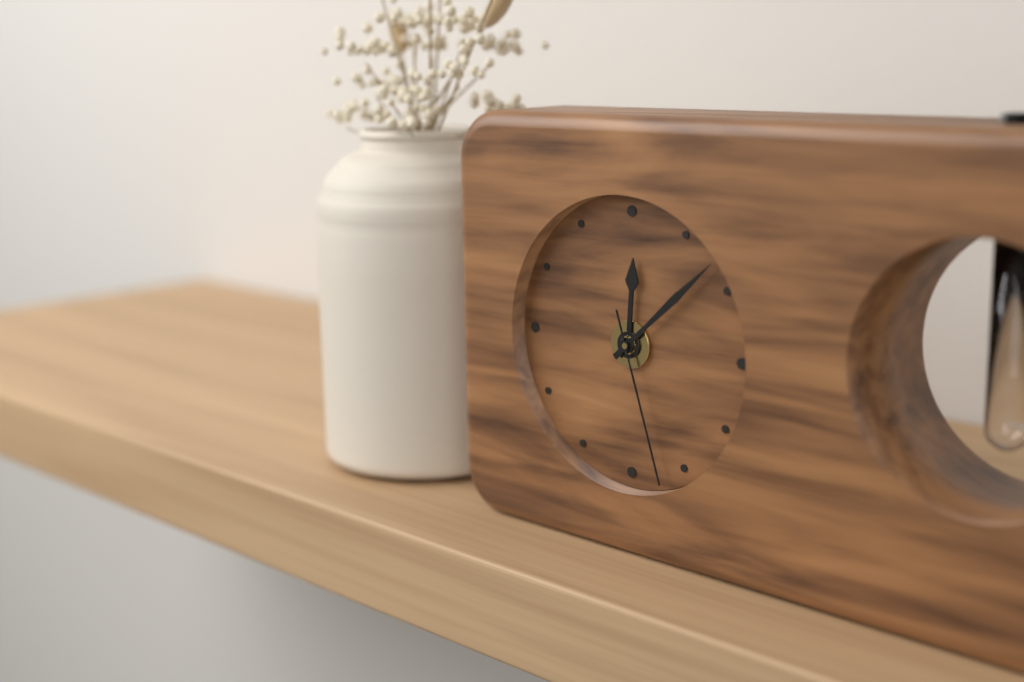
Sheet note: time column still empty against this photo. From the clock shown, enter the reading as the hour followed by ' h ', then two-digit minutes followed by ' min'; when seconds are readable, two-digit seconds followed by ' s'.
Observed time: 12 h 08 min 27 s
